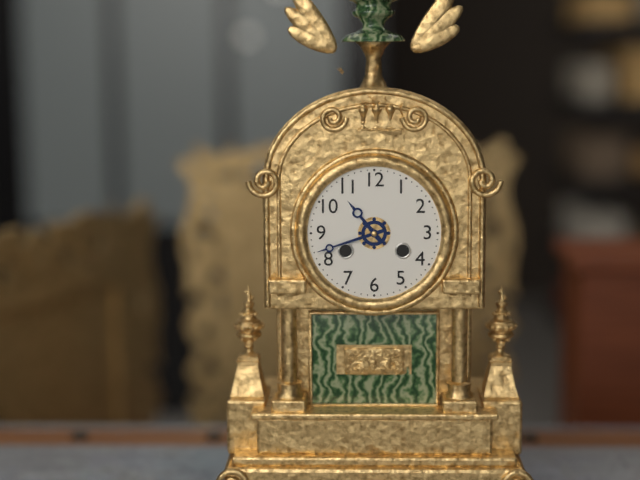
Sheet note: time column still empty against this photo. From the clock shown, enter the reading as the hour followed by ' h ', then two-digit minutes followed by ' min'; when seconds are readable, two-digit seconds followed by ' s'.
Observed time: 10 h 42 min
